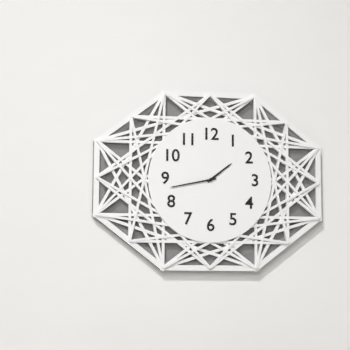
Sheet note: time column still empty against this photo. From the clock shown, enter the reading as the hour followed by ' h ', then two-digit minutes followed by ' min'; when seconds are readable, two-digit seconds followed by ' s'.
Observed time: 1 h 43 min
